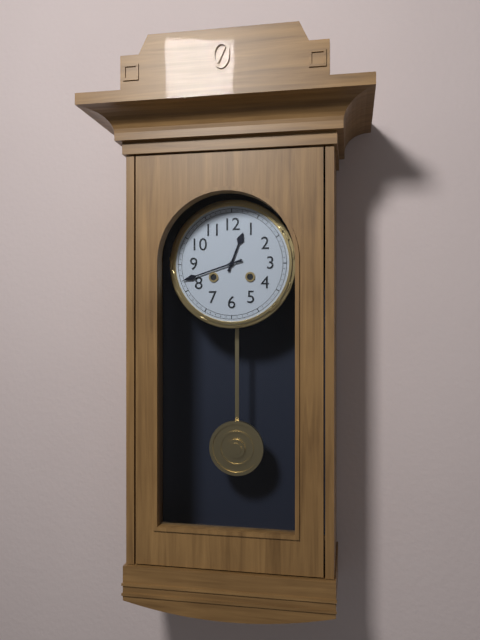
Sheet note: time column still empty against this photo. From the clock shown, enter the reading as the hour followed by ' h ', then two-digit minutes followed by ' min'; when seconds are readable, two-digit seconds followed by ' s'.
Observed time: 12 h 42 min
